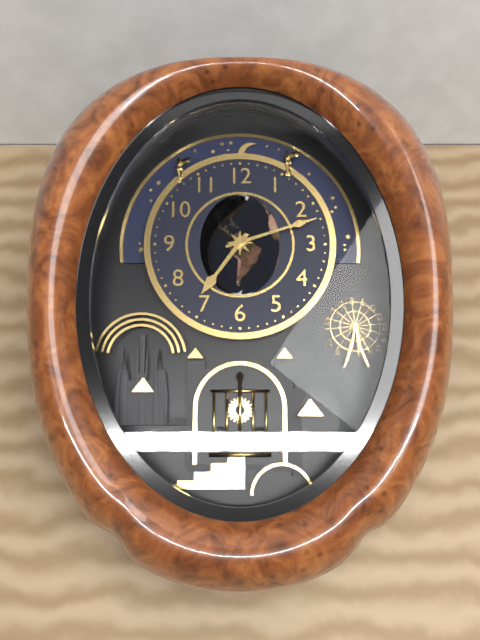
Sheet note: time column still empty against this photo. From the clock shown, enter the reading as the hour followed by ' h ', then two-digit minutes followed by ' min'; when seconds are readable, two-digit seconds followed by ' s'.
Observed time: 7 h 12 min
